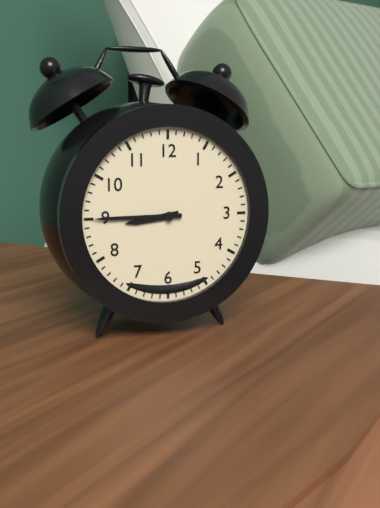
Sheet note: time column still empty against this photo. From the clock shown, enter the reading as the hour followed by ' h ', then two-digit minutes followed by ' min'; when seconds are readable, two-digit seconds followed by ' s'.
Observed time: 8 h 45 min
